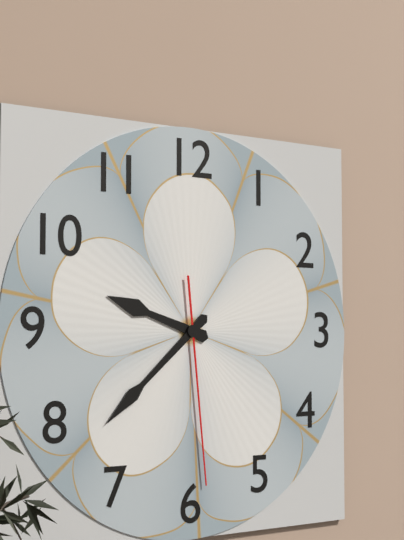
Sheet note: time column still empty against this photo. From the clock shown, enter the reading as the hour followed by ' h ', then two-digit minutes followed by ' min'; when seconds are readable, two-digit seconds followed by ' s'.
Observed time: 9 h 38 min 29 s
